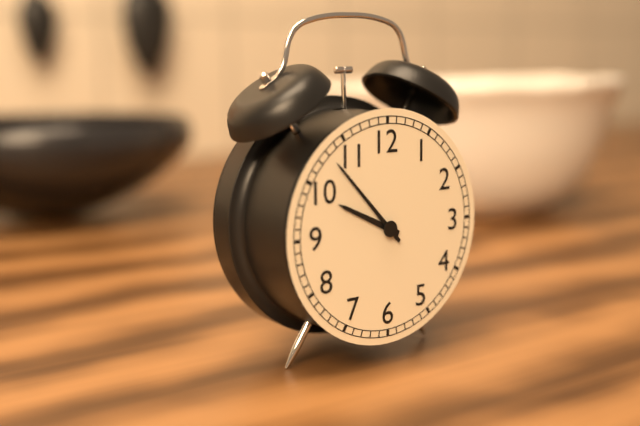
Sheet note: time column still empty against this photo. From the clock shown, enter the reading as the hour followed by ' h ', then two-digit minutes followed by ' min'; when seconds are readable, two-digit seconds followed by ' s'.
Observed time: 9 h 53 min
